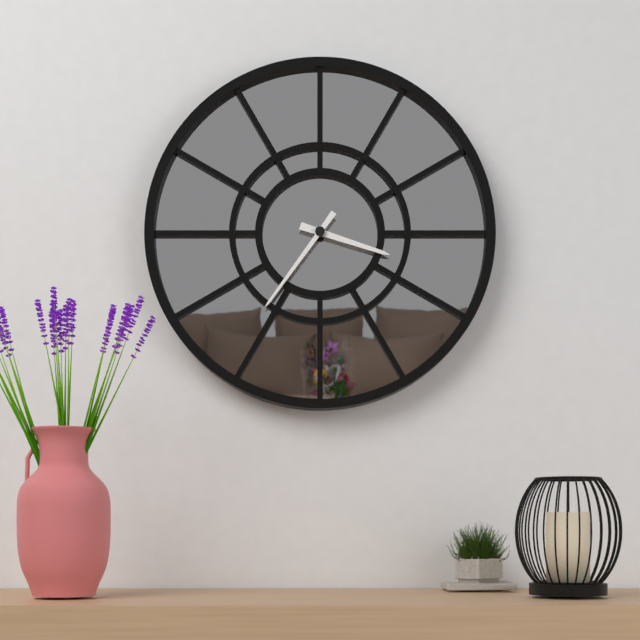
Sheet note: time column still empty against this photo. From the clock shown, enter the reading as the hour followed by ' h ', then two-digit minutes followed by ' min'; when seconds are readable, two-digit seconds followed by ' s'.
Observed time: 3 h 36 min
